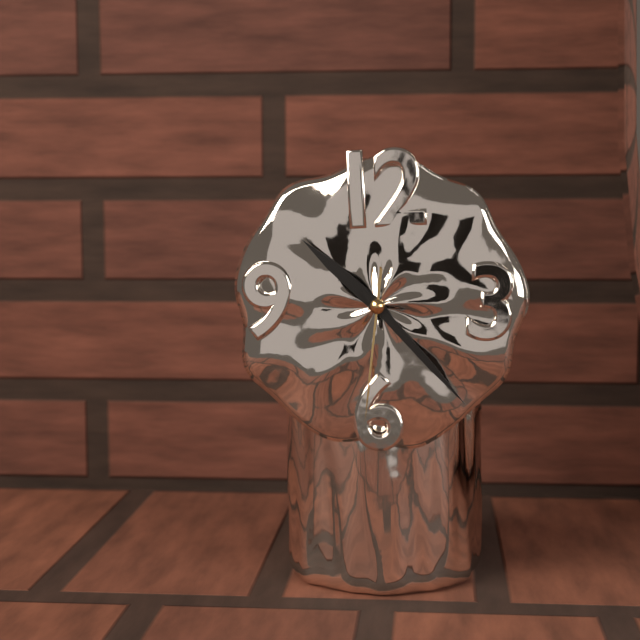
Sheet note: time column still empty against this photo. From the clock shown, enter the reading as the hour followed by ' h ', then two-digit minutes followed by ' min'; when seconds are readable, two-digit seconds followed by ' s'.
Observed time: 10 h 23 min 31 s
